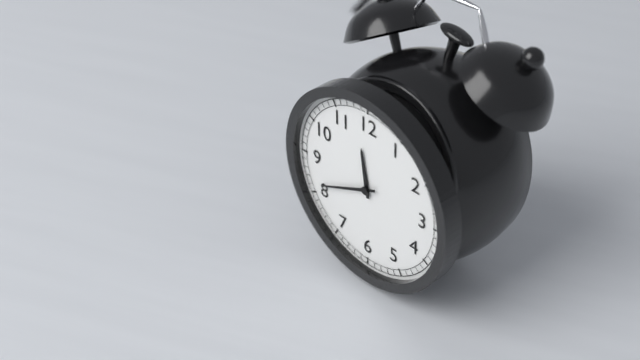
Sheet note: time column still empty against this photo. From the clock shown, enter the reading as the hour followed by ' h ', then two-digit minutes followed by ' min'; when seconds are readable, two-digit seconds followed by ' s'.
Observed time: 11 h 41 min
